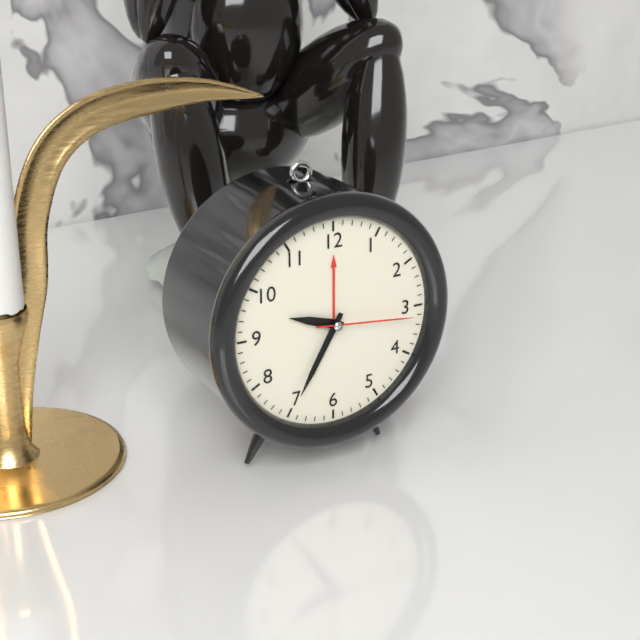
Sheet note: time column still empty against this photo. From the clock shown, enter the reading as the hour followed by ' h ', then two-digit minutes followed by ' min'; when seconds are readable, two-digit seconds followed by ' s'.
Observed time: 9 h 35 min 16 s
